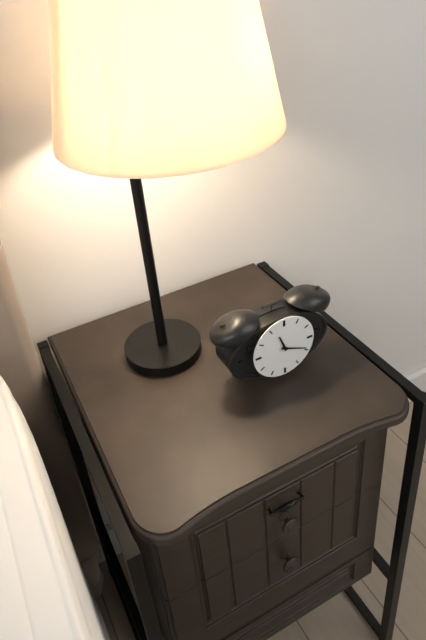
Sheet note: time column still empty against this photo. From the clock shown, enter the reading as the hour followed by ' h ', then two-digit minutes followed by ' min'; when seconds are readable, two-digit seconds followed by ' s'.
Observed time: 11 h 19 min
